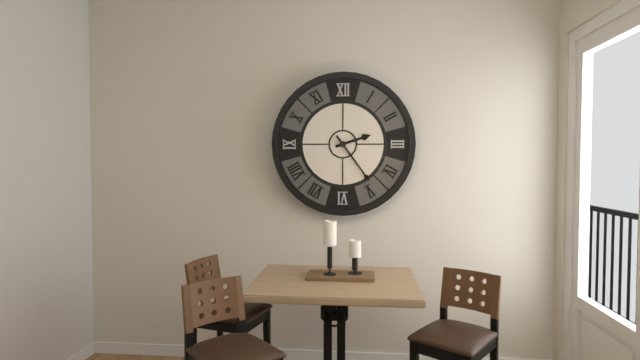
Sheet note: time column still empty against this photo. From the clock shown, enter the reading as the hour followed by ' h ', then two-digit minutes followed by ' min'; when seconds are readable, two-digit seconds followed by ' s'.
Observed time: 2 h 24 min
